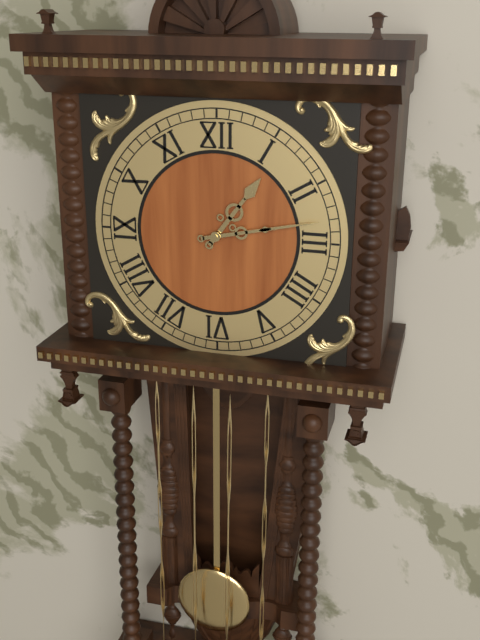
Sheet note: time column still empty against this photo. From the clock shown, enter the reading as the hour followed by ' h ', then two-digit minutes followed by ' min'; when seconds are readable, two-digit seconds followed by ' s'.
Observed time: 1 h 13 min
